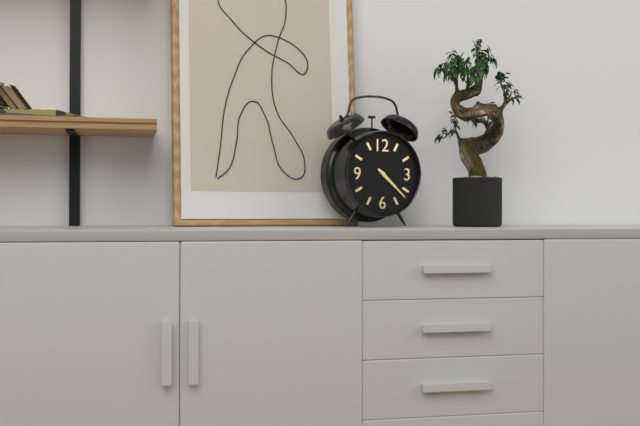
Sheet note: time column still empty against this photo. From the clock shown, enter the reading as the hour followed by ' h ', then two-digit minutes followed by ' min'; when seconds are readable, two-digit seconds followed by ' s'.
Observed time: 4 h 22 min
